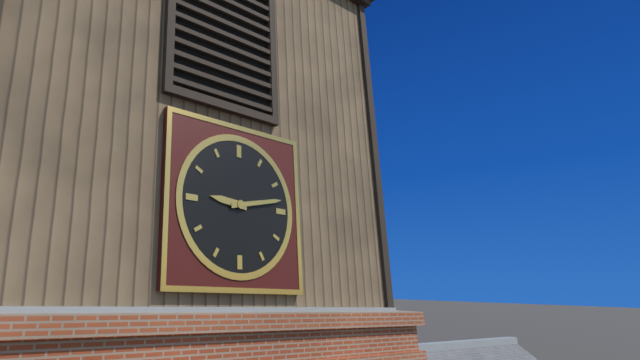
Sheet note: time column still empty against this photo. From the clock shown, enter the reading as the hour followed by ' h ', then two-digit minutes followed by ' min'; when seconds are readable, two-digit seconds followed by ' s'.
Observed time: 9 h 13 min
